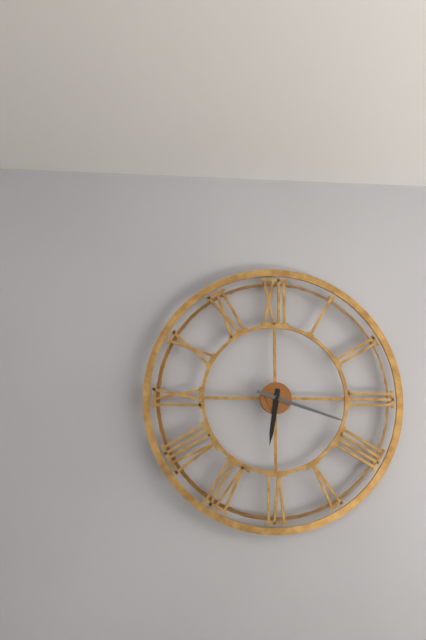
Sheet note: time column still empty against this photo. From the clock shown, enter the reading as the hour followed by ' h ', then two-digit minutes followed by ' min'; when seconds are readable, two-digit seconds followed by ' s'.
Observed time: 6 h 18 min
